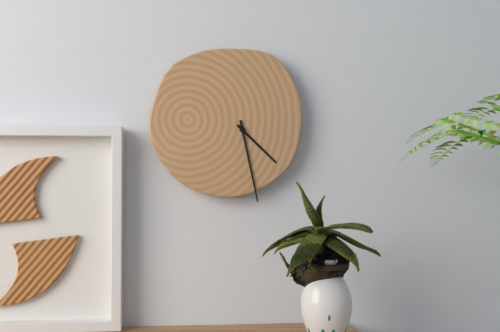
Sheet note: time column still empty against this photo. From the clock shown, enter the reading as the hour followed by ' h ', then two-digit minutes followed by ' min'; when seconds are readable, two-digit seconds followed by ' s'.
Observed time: 4 h 28 min
